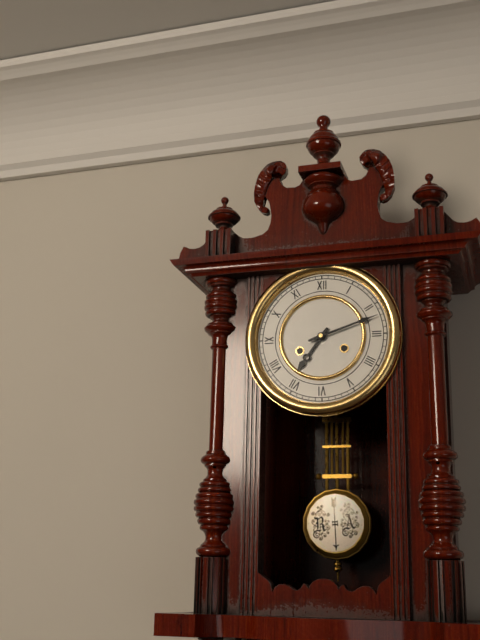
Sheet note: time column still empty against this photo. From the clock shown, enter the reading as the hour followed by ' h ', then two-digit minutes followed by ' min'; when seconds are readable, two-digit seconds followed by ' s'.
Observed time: 7 h 12 min
